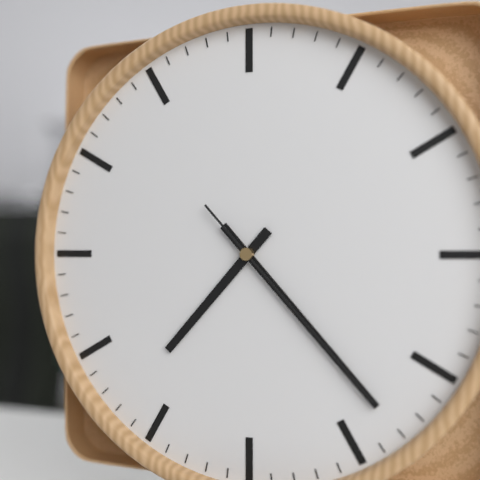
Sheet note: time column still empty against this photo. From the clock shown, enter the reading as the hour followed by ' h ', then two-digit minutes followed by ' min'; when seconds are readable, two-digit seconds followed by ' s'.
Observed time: 7 h 23 min 23 s
